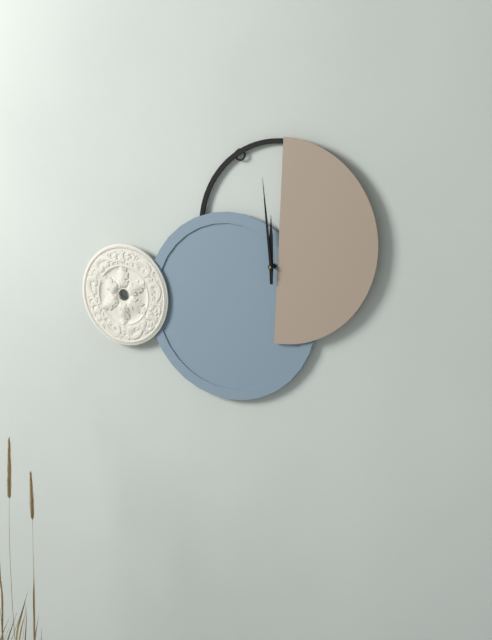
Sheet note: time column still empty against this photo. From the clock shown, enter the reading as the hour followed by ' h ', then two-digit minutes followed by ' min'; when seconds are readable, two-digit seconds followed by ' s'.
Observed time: 11 h 59 min
